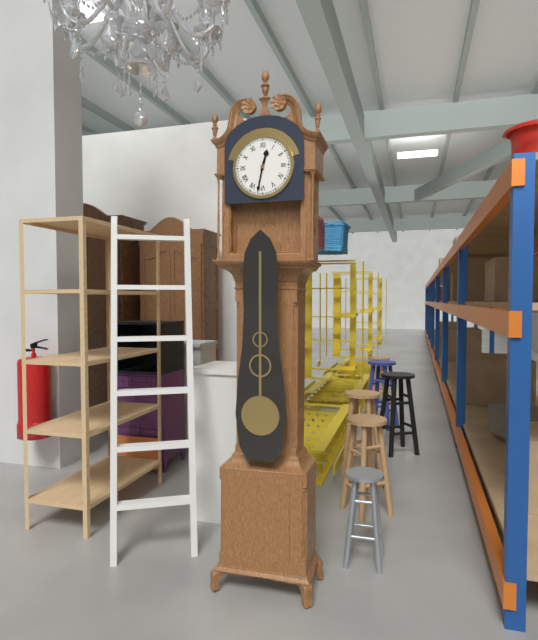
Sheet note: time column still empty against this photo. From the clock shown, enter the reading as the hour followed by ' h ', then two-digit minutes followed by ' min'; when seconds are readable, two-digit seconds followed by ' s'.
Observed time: 12 h 32 min
